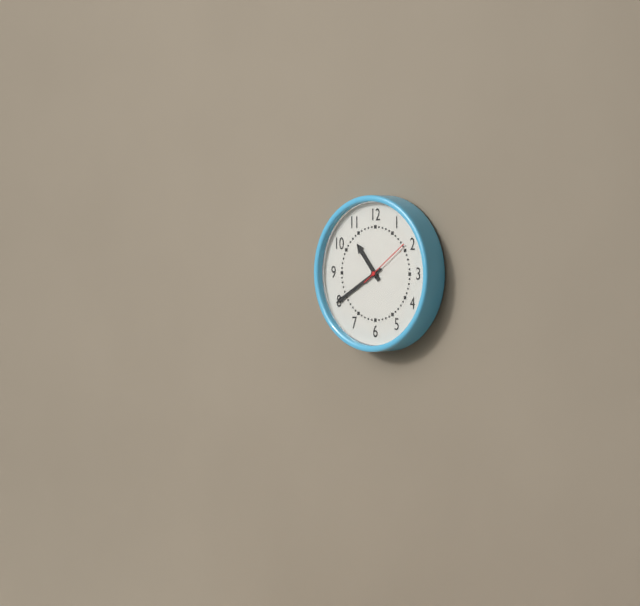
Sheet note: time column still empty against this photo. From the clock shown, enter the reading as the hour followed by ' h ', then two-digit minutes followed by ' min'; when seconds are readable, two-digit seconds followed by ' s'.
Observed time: 10 h 40 min 09 s
